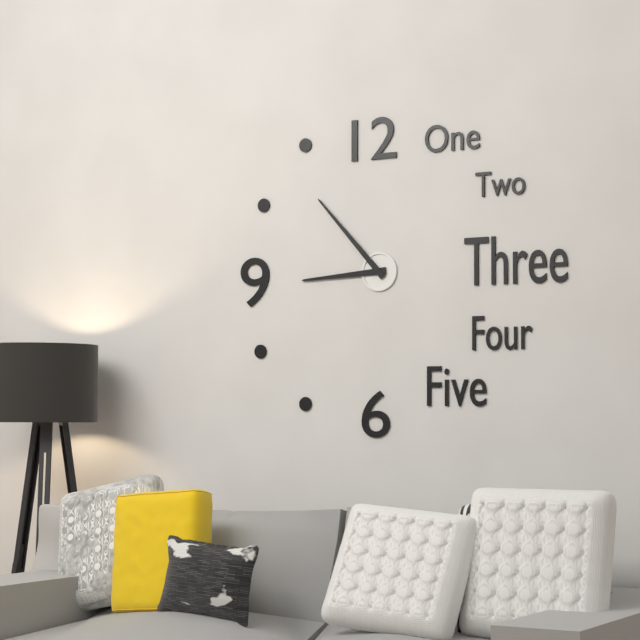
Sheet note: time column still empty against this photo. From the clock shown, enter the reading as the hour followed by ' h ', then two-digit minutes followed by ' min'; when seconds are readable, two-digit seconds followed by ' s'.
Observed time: 8 h 53 min
